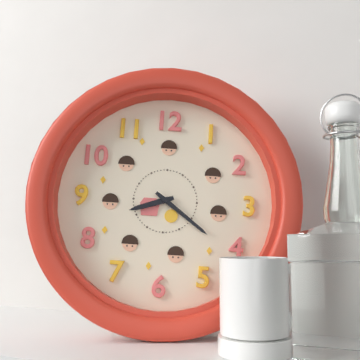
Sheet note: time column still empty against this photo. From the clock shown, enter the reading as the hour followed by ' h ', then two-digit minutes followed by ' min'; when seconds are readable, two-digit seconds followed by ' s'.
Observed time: 8 h 21 min
